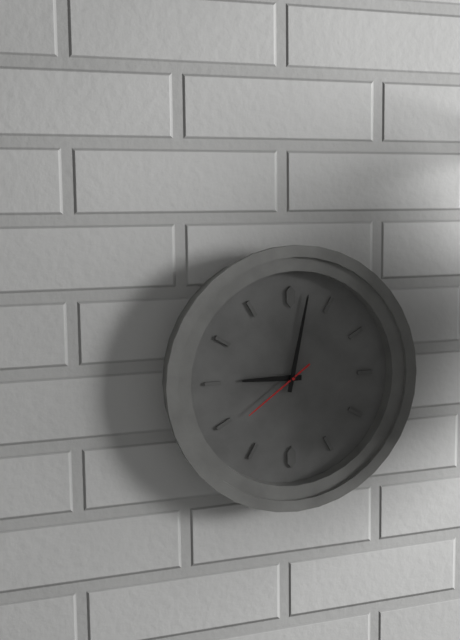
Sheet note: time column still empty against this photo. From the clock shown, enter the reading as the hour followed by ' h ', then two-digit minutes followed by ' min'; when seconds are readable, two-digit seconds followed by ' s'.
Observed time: 9 h 02 min 39 s
